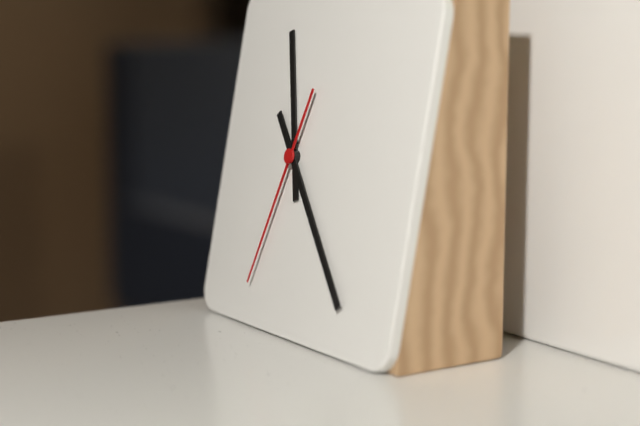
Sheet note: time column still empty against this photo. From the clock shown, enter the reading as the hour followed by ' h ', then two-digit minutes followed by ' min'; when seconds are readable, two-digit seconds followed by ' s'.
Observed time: 11 h 23 min 33 s
